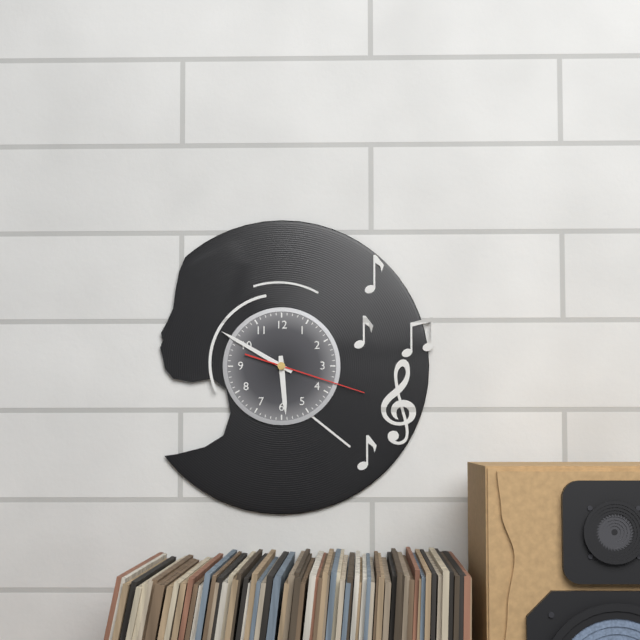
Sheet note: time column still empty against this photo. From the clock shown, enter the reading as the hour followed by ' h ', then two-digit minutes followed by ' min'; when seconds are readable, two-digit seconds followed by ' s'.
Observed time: 5 h 50 min 18 s
